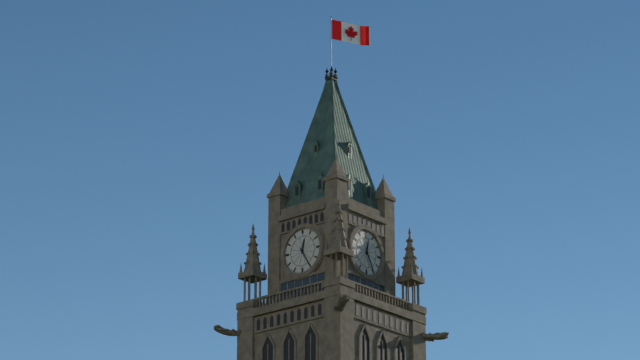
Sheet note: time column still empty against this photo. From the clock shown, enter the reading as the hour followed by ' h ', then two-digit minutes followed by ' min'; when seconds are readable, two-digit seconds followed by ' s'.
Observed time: 12 h 25 min
